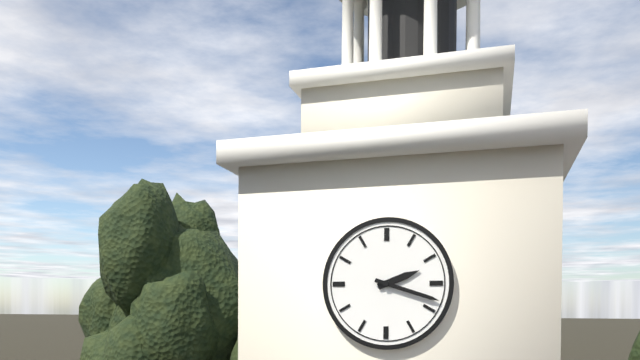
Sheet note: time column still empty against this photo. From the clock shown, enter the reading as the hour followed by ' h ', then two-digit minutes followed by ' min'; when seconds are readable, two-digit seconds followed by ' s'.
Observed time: 2 h 18 min
